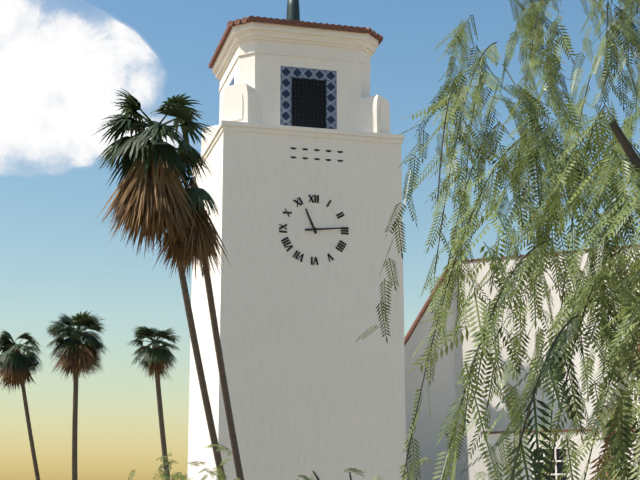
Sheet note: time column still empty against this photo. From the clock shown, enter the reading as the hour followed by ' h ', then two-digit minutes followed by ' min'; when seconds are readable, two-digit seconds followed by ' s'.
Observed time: 11 h 14 min
